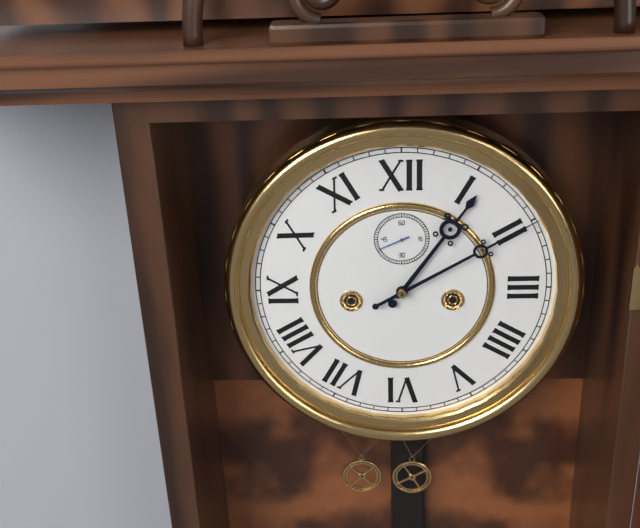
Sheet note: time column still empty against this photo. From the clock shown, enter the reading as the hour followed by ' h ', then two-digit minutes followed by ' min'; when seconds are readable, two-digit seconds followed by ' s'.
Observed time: 1 h 10 min
